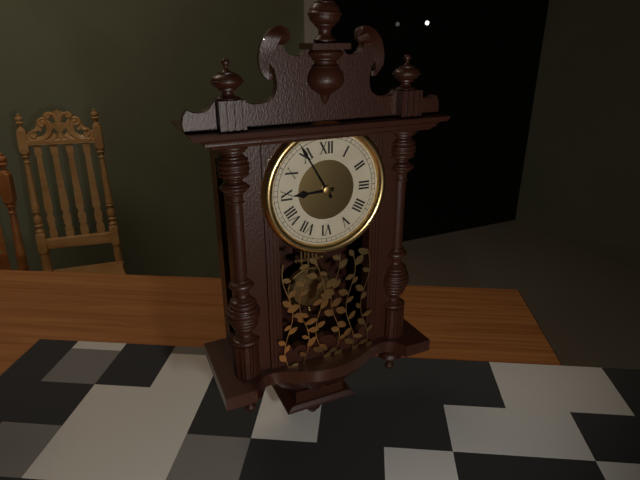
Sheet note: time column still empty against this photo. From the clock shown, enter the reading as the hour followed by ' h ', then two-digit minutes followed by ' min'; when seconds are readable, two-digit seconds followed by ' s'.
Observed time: 8 h 55 min
